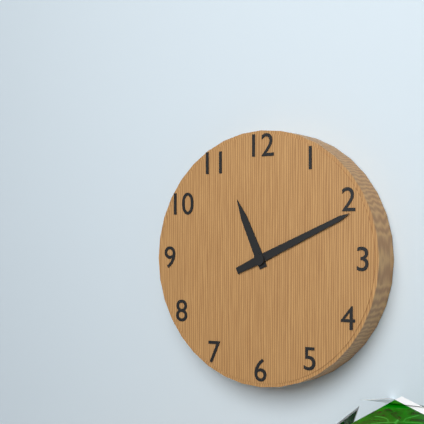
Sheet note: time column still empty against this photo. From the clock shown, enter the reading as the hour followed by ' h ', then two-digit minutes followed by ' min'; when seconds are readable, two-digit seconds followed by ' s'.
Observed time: 11 h 11 min
